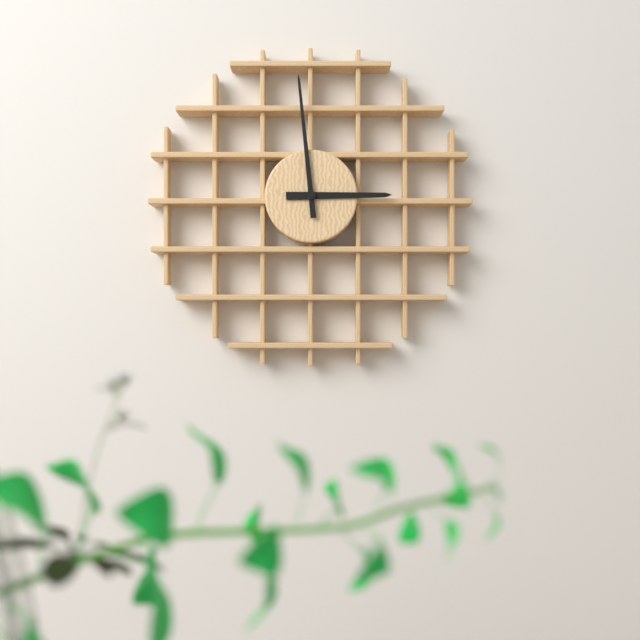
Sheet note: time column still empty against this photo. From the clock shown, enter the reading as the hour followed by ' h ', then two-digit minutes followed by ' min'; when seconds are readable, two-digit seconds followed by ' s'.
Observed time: 2 h 59 min
